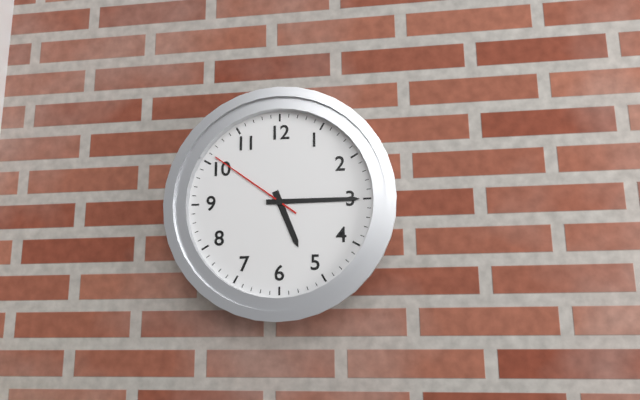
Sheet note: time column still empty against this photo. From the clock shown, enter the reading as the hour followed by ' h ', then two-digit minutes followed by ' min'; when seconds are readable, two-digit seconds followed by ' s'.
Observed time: 5 h 15 min 51 s
